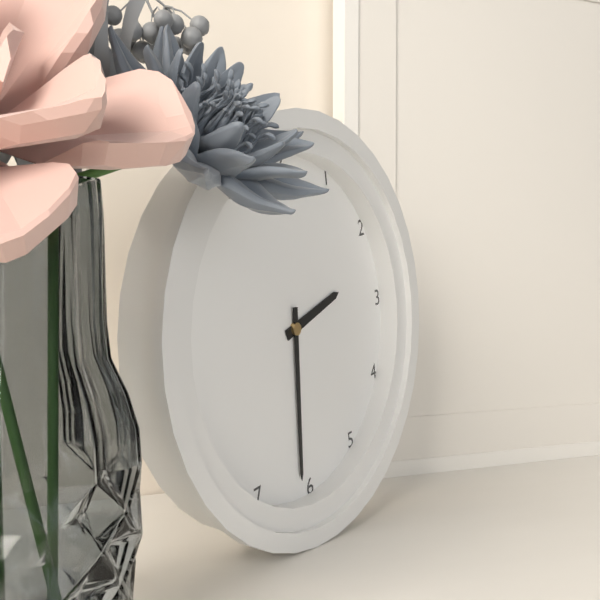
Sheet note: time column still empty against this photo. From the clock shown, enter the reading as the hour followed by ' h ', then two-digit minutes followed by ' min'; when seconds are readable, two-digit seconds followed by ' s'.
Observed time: 2 h 31 min
